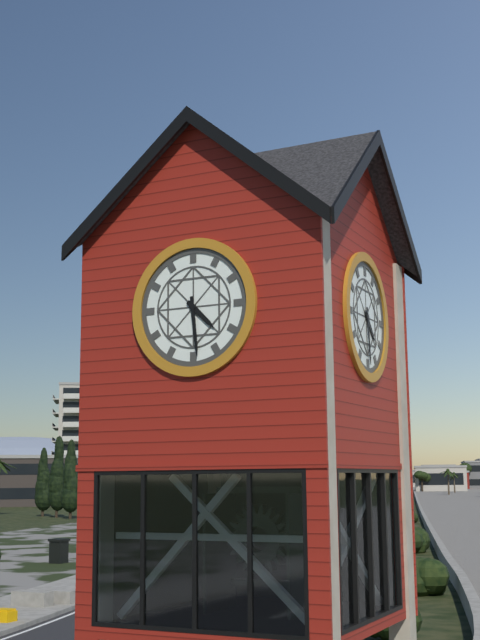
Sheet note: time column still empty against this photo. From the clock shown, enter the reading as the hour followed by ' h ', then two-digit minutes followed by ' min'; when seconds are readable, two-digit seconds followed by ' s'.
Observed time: 4 h 29 min
